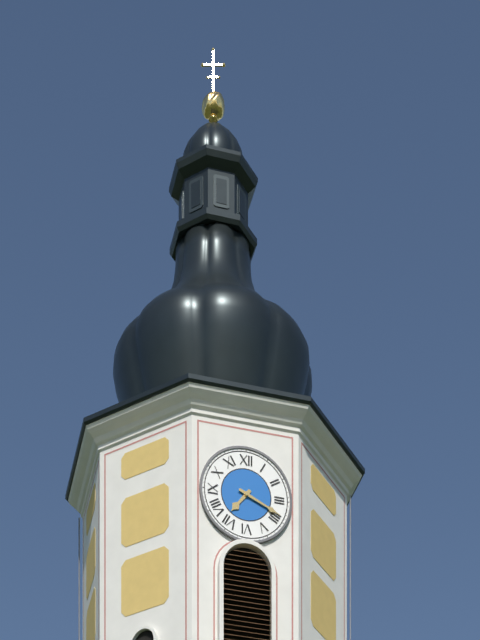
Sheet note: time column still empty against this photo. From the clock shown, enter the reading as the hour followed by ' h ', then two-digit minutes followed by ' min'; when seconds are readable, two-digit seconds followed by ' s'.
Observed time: 7 h 19 min
